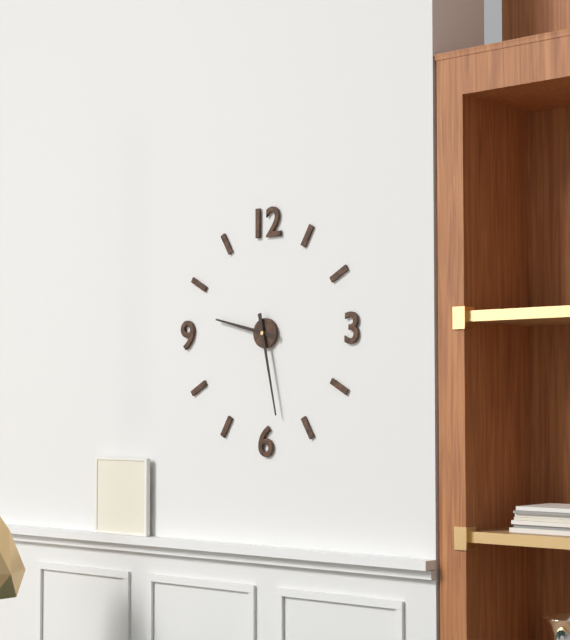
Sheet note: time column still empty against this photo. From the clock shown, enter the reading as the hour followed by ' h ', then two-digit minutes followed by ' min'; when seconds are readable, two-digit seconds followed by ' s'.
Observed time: 9 h 28 min
